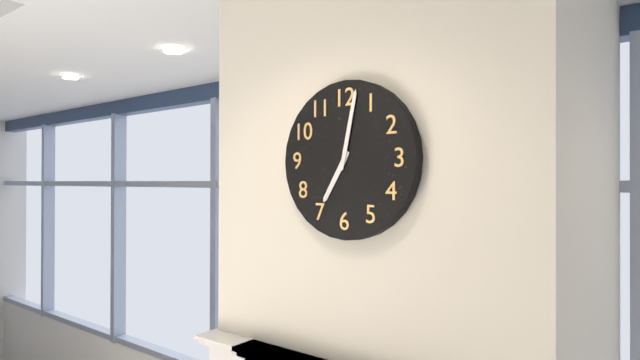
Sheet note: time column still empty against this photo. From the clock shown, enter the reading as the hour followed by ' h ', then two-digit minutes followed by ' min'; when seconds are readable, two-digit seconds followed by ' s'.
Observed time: 7 h 02 min
